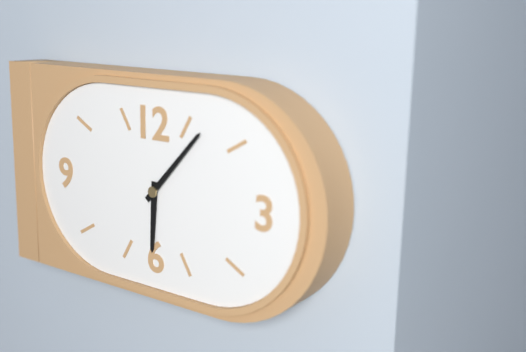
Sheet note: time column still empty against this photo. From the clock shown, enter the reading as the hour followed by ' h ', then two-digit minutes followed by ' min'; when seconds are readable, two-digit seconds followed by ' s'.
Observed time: 6 h 07 min
